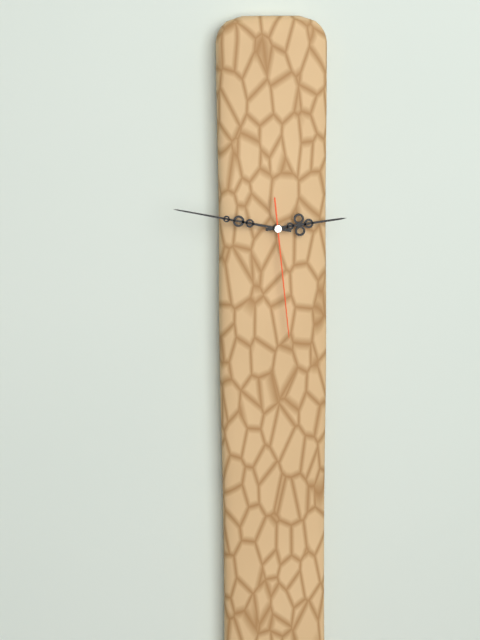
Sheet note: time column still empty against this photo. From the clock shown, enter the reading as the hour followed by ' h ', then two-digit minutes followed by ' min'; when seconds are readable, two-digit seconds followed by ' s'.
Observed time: 2 h 47 min 29 s
